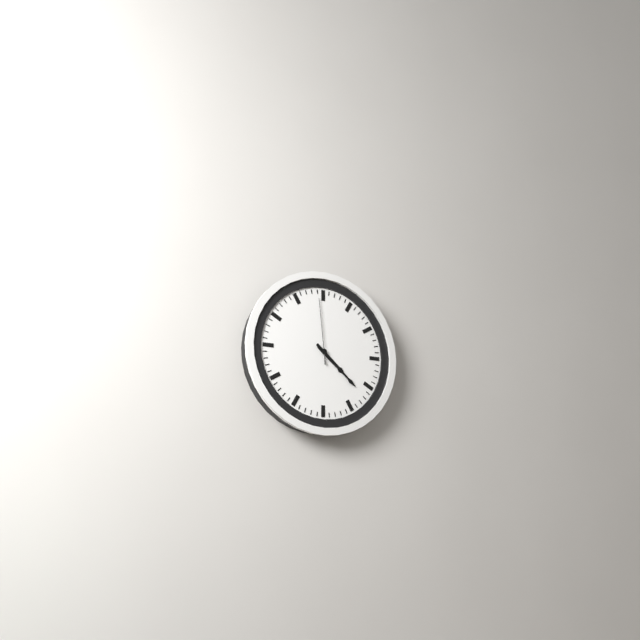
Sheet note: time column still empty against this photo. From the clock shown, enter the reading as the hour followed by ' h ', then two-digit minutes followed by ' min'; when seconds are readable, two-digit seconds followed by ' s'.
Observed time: 4 h 22 min 59 s
